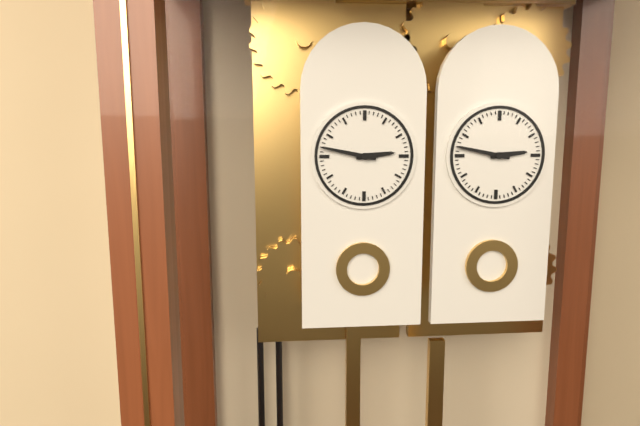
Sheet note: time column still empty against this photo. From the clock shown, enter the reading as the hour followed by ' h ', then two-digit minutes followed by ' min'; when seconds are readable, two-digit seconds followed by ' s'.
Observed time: 2 h 47 min
